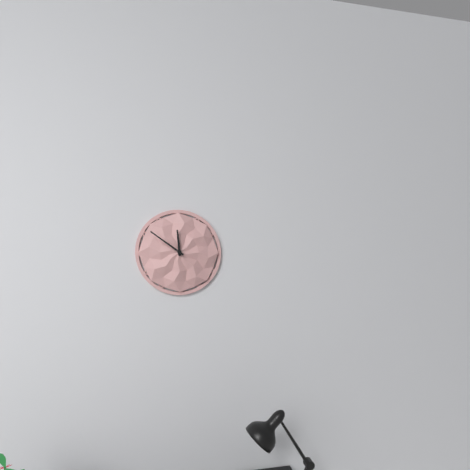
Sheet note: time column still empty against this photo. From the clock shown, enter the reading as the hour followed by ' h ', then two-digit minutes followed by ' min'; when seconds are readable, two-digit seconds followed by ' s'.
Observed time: 11 h 51 min
